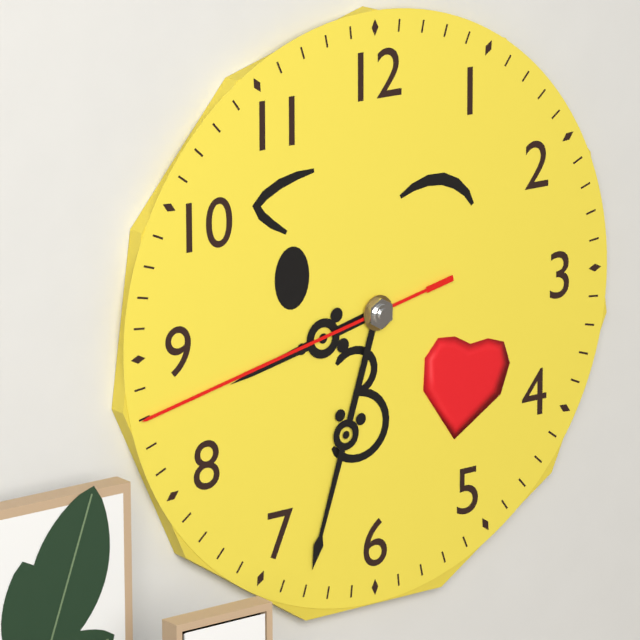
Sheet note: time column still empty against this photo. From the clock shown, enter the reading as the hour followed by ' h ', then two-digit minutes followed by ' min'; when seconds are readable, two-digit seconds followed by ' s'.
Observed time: 8 h 33 min 43 s
